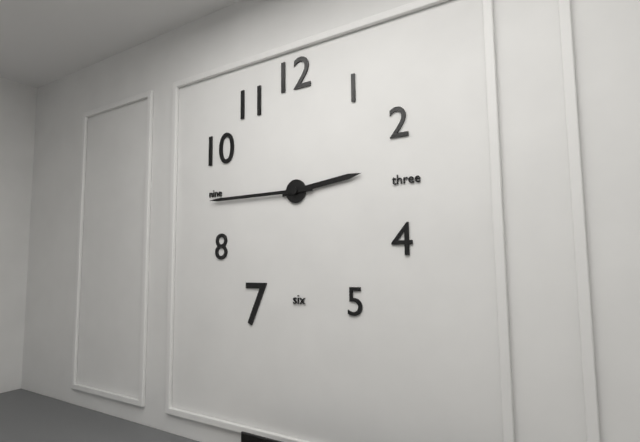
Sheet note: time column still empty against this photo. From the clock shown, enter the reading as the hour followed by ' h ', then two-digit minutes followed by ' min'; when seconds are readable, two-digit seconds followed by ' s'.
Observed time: 2 h 45 min
